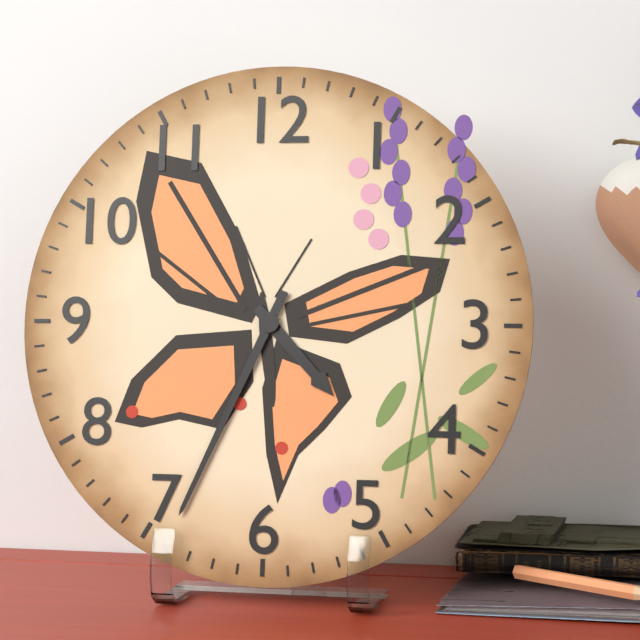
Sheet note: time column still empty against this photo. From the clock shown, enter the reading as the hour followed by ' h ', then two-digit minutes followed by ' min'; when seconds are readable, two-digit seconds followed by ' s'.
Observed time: 4 h 34 min
